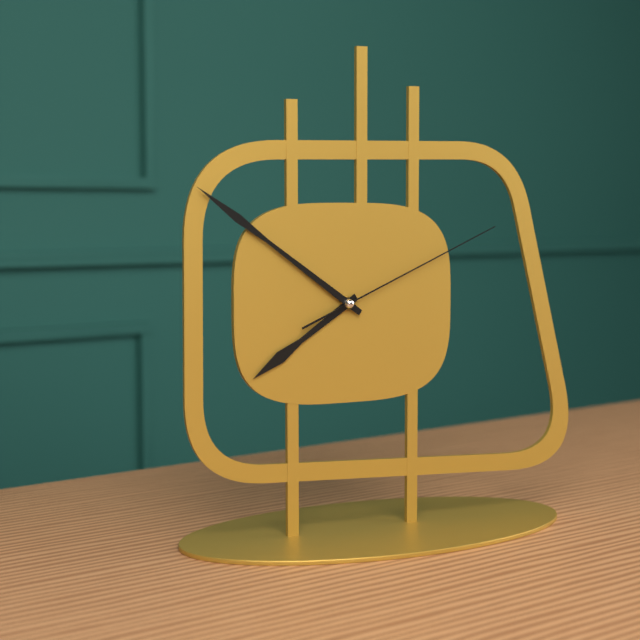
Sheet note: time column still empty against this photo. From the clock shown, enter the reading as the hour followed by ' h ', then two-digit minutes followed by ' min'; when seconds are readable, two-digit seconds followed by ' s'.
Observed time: 7 h 51 min 11 s
